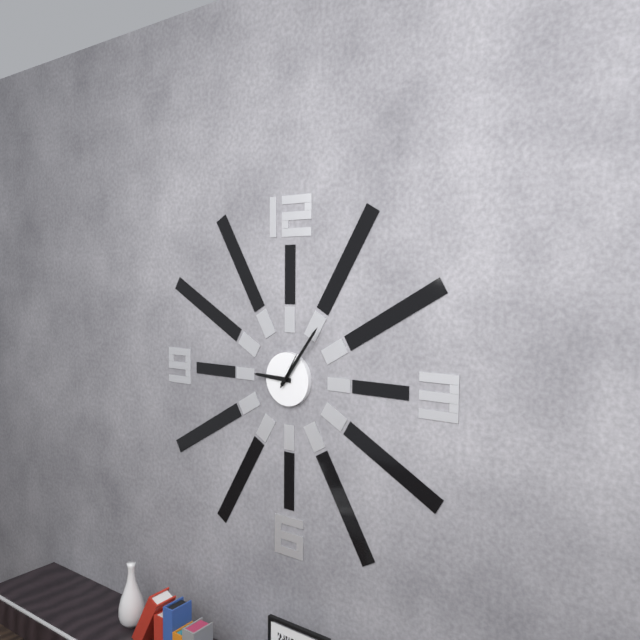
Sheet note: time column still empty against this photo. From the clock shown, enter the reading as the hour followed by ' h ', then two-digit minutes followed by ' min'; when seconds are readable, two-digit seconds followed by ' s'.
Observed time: 9 h 06 min
